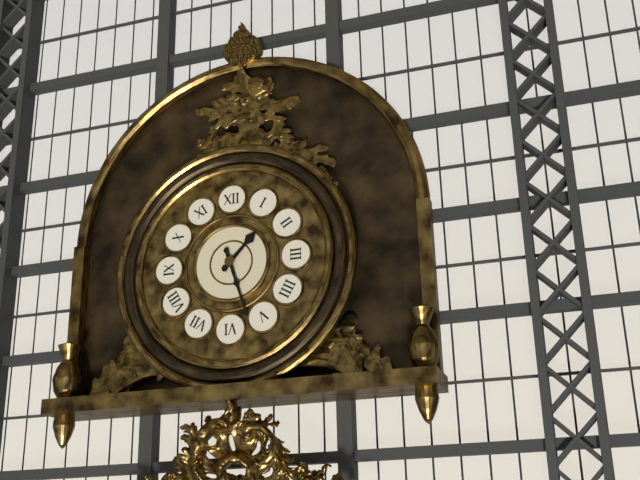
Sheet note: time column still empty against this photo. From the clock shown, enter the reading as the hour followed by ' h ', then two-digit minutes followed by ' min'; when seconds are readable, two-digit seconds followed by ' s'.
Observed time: 1 h 27 min
